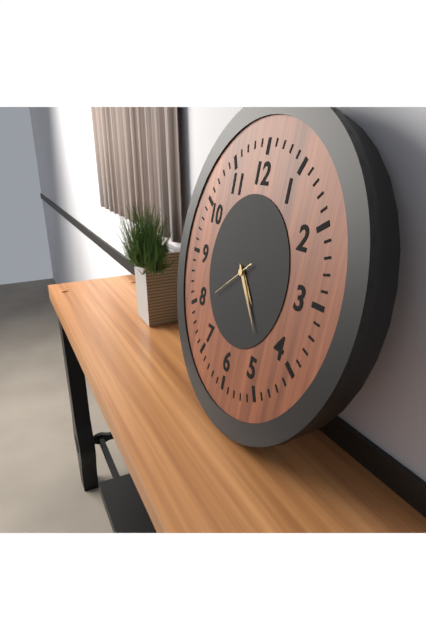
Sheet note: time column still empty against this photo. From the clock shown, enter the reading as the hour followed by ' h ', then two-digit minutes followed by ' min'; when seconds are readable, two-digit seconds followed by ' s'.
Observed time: 4 h 23 min
